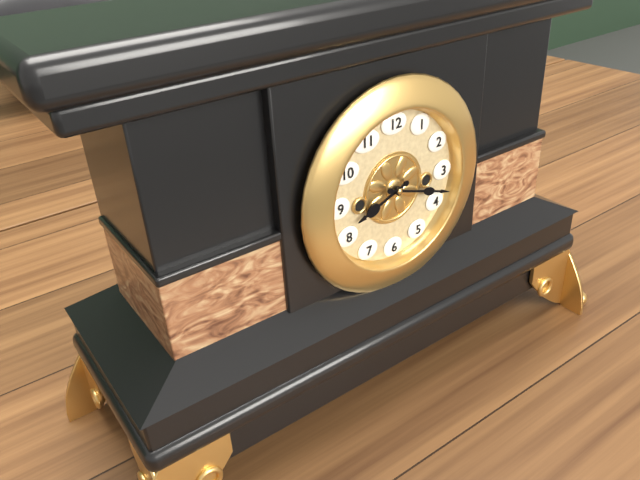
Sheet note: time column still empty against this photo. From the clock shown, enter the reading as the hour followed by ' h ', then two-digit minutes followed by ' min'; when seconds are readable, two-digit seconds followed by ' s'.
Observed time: 8 h 18 min
